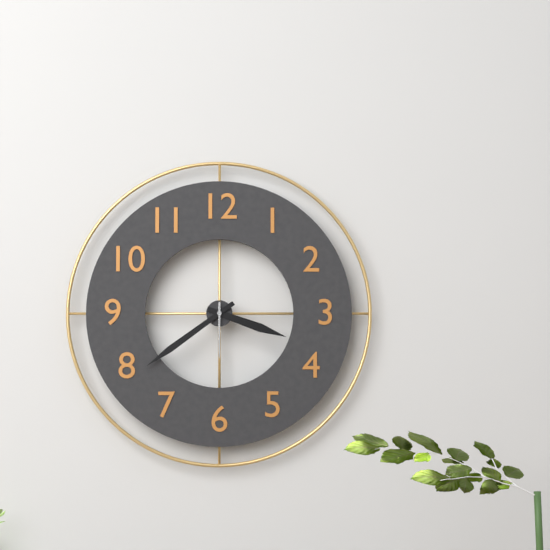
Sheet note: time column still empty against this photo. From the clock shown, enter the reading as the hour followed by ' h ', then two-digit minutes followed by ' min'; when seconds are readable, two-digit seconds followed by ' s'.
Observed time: 3 h 39 min 30 s
